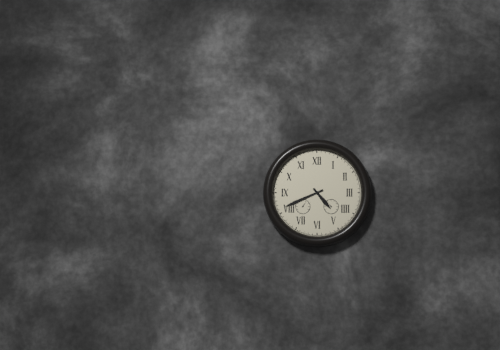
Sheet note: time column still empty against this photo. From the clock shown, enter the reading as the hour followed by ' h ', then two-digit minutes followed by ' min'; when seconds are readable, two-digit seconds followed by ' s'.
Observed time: 4 h 41 min
